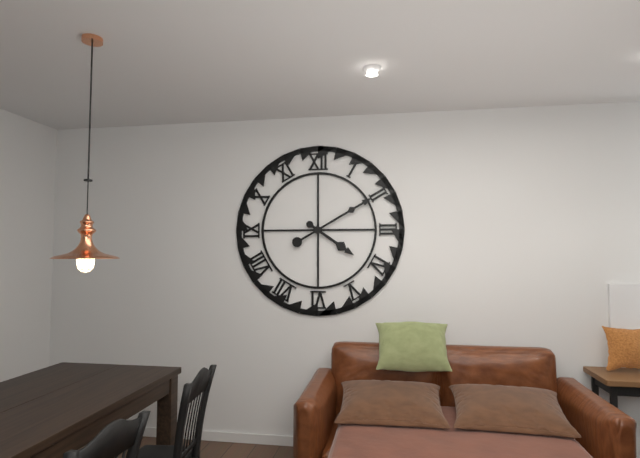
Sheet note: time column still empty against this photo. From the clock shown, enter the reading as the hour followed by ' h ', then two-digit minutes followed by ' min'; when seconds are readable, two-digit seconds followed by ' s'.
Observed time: 4 h 10 min
